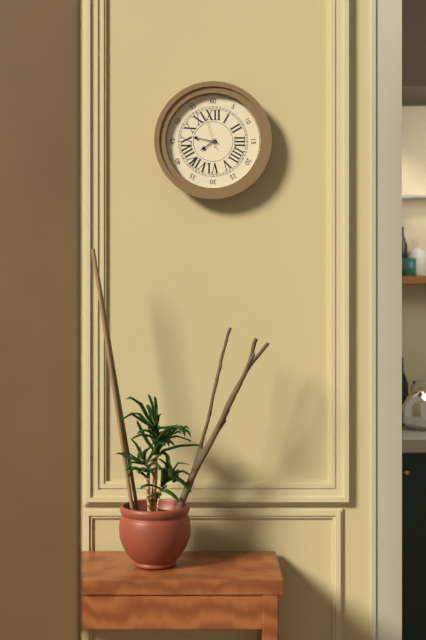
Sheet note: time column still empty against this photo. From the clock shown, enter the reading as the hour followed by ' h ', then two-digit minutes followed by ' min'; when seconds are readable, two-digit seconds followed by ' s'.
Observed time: 7 h 47 min
